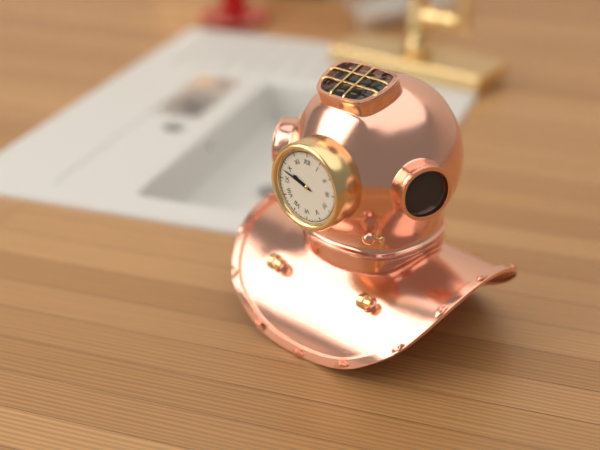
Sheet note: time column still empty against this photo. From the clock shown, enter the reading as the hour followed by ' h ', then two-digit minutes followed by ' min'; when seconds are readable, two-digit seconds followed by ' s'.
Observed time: 9 h 48 min
